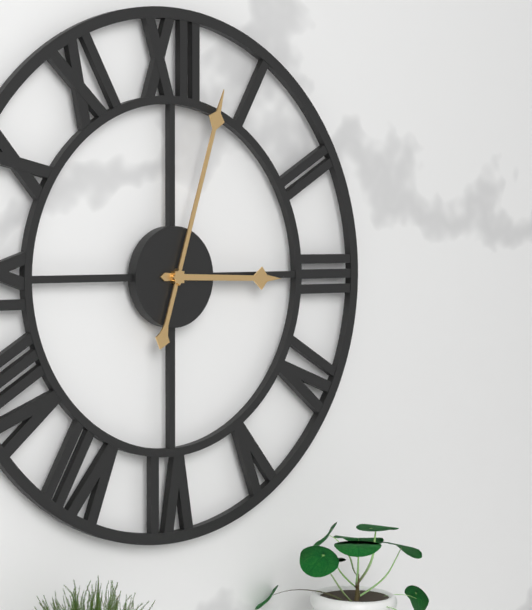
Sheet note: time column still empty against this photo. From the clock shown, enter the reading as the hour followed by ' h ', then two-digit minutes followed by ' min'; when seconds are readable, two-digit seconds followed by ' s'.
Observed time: 3 h 03 min
